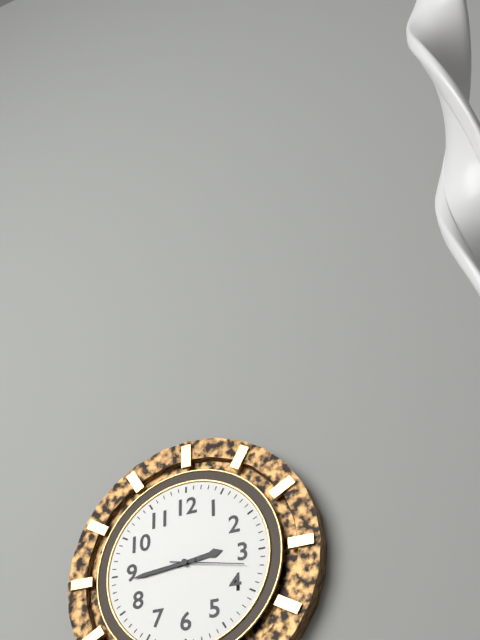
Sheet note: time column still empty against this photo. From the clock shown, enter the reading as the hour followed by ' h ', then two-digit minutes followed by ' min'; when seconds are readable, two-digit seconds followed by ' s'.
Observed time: 2 h 44 min 17 s
